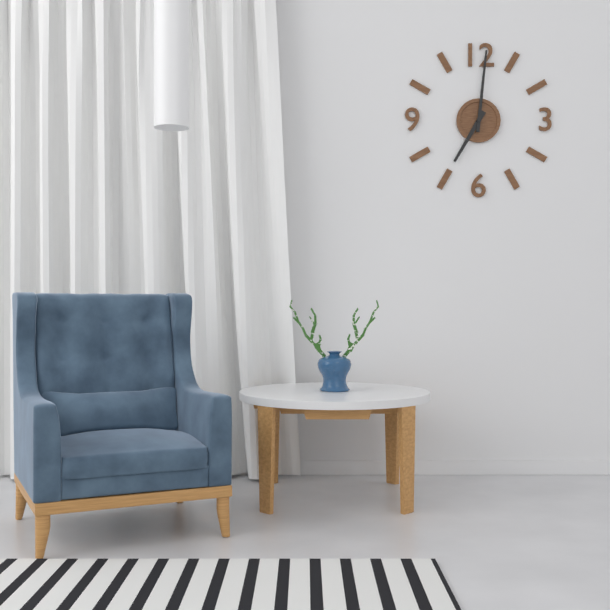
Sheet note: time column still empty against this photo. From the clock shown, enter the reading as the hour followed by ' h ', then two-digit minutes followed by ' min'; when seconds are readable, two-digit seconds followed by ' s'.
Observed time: 7 h 01 min
